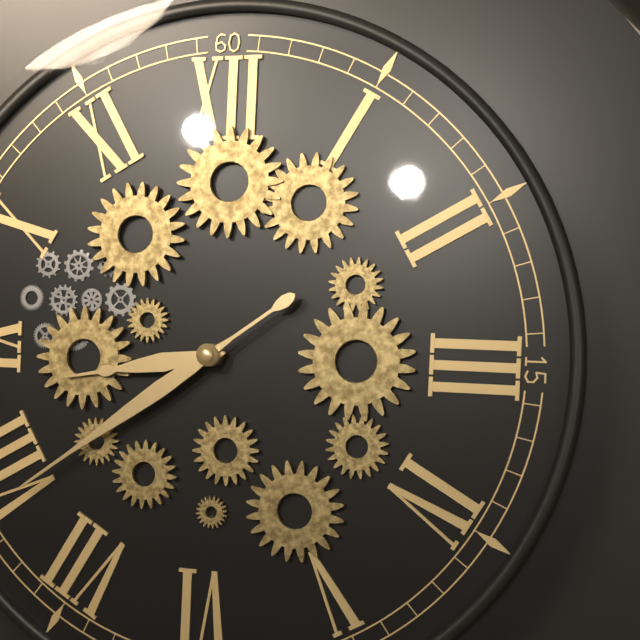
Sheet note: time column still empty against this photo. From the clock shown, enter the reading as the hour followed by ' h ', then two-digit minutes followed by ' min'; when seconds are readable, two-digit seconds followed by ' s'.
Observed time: 8 h 39 min
